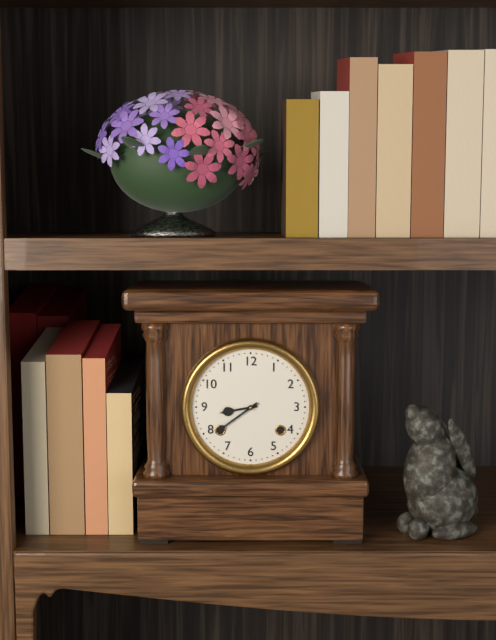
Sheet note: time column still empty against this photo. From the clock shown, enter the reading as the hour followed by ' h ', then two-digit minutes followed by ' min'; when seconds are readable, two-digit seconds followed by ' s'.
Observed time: 8 h 39 min
